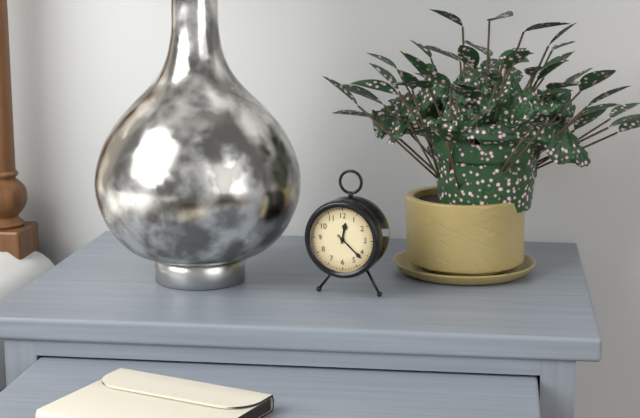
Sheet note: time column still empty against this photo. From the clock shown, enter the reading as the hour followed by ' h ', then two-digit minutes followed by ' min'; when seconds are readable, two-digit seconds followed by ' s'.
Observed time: 12 h 22 min
